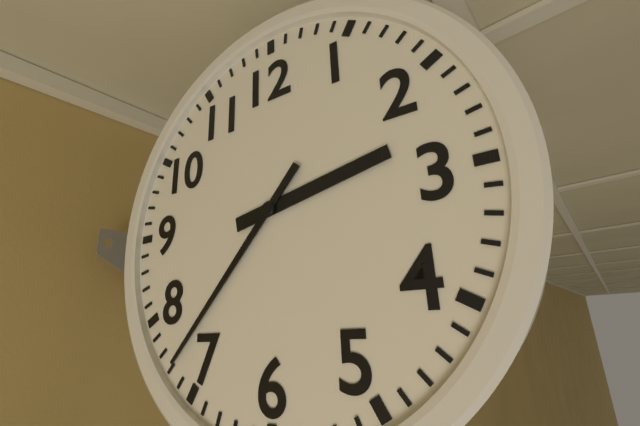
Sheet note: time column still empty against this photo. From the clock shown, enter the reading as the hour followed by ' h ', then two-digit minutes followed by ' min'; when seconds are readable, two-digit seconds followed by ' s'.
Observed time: 2 h 37 min
